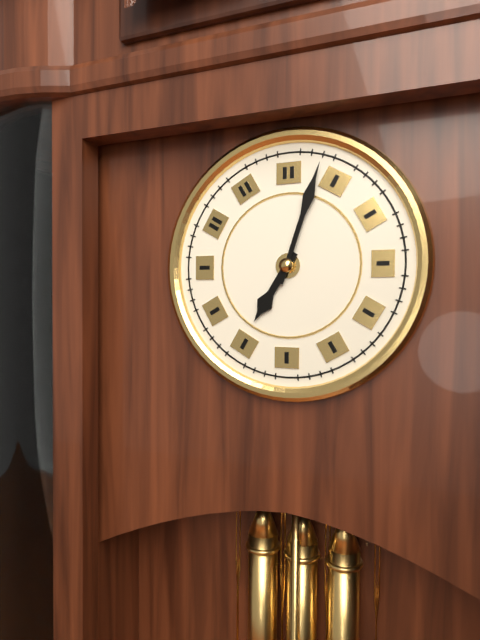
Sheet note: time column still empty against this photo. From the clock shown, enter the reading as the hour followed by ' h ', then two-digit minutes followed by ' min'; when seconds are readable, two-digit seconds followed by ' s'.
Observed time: 7 h 03 min
